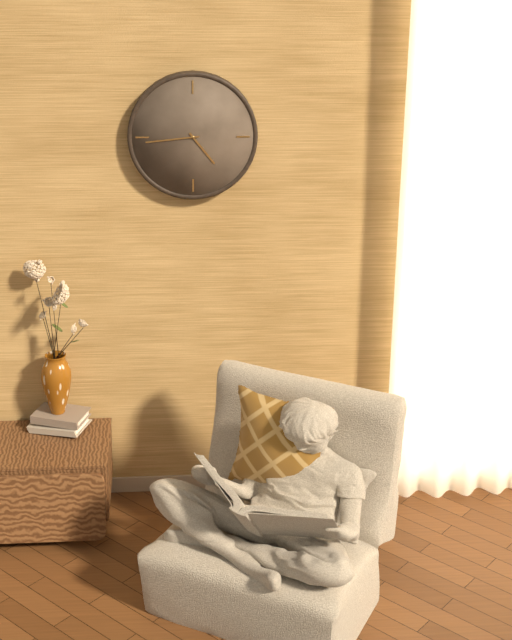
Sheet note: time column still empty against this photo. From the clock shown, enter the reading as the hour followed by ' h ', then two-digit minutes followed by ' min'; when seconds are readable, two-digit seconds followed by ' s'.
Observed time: 4 h 44 min
